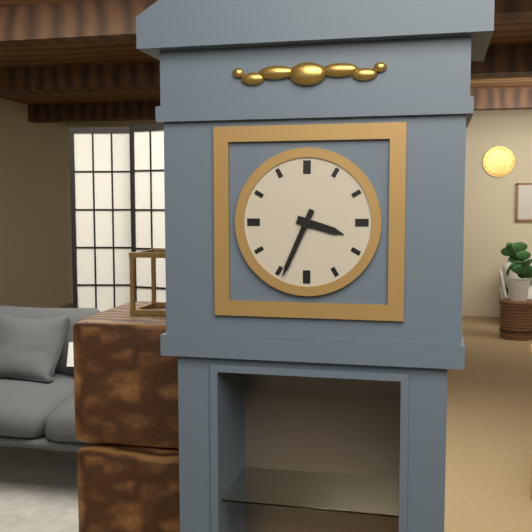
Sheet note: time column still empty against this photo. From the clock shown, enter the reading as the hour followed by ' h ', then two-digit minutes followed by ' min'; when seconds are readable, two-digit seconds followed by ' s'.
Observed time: 3 h 34 min
